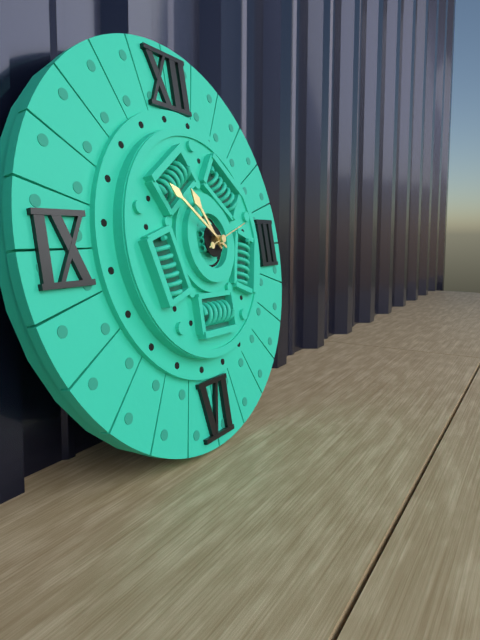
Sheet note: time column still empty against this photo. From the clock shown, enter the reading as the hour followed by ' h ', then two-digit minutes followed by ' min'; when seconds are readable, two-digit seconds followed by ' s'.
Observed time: 10 h 51 min 12 s
